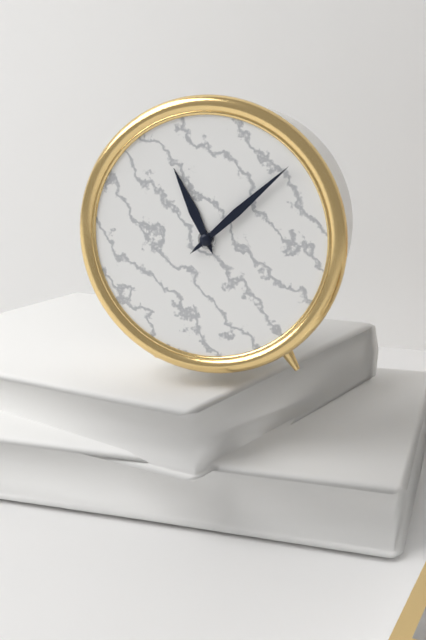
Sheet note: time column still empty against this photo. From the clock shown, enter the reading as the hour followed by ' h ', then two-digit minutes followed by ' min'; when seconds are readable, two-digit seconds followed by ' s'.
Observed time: 11 h 08 min
